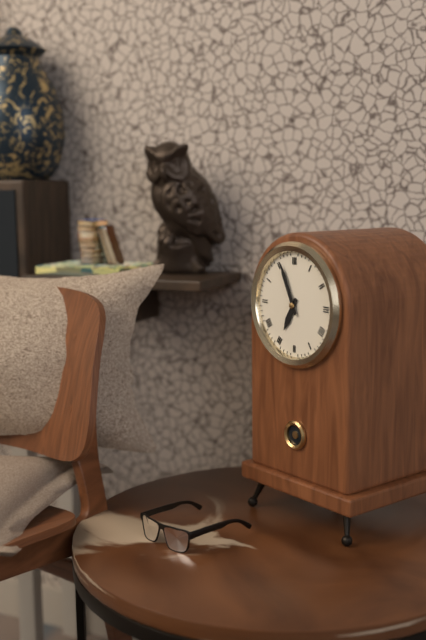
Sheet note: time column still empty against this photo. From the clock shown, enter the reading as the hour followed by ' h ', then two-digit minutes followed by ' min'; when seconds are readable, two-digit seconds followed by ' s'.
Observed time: 6 h 56 min
